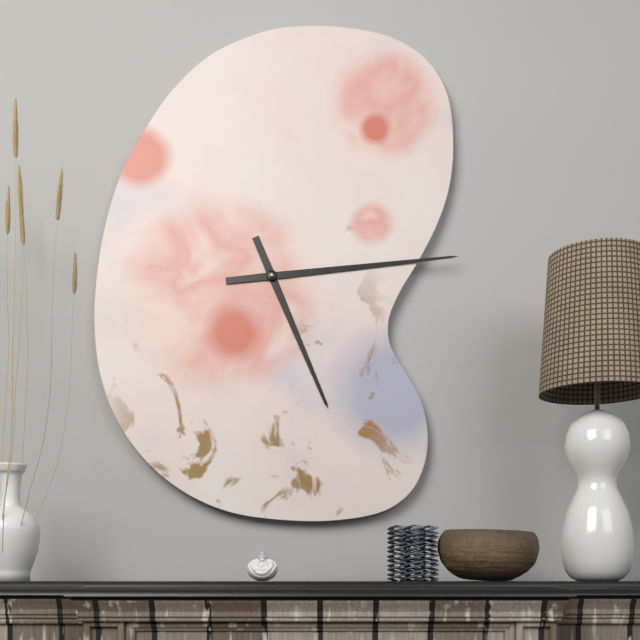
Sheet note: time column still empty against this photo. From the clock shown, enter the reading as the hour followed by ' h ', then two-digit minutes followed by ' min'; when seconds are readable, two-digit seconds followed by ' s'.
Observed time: 5 h 14 min
